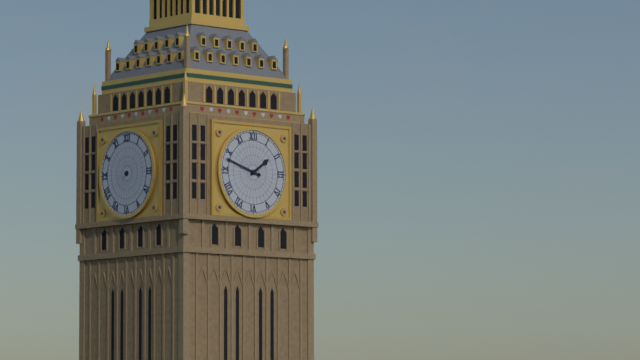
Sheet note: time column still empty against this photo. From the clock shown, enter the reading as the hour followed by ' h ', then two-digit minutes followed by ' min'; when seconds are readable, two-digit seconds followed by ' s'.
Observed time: 1 h 48 min
